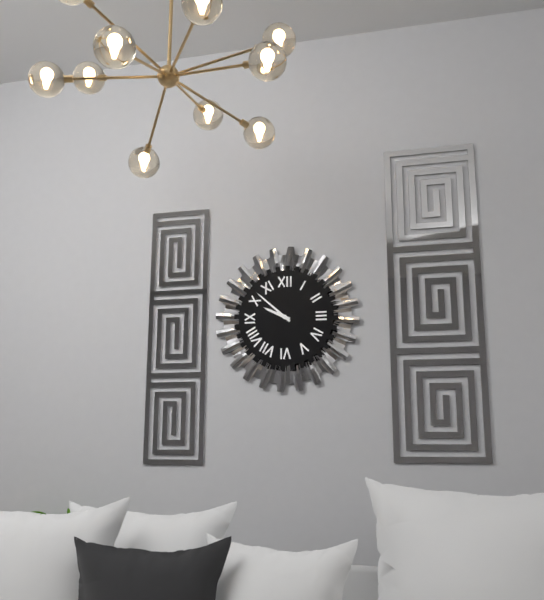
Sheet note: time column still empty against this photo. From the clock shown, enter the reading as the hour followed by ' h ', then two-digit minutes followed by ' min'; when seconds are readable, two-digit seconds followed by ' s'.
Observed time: 9 h 52 min
